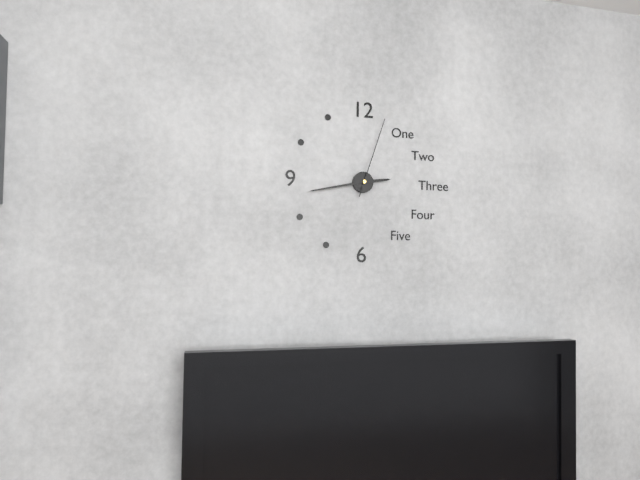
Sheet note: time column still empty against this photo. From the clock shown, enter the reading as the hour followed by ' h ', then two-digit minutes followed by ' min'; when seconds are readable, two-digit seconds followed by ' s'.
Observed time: 2 h 43 min 03 s
